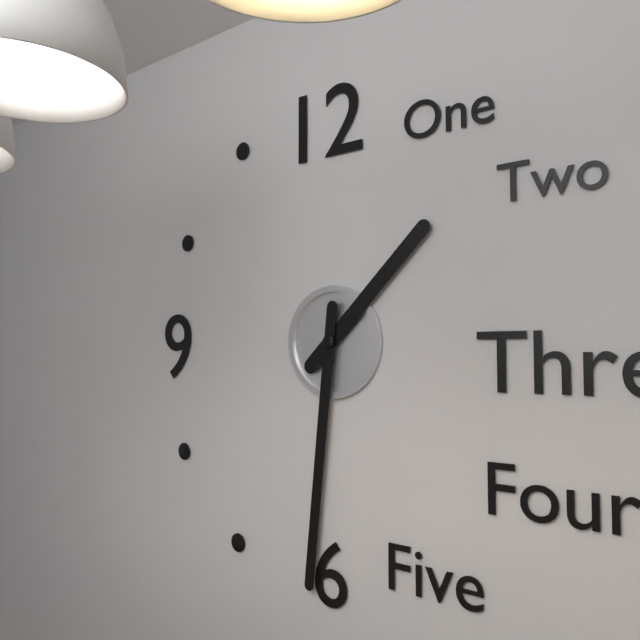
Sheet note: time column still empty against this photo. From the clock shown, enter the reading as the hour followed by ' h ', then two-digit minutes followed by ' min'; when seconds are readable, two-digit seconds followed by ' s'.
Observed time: 1 h 31 min
